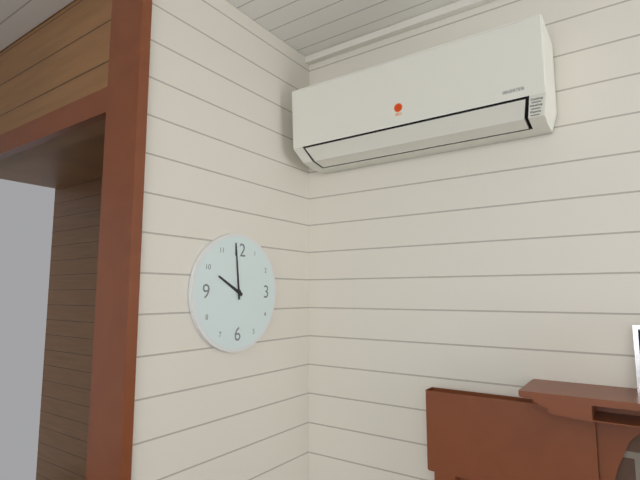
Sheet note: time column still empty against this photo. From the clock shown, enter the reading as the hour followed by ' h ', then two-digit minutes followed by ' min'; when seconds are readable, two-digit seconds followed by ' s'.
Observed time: 9 h 59 min
